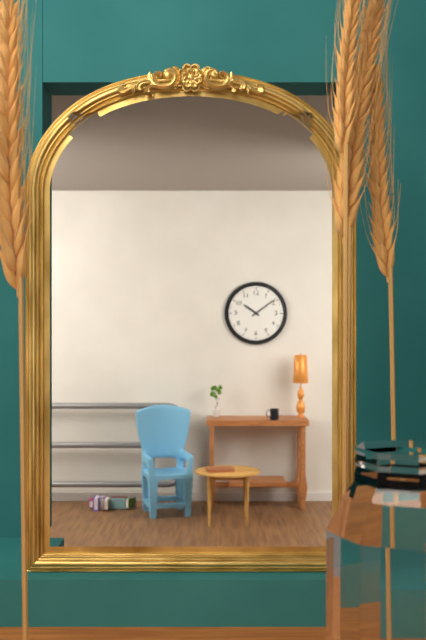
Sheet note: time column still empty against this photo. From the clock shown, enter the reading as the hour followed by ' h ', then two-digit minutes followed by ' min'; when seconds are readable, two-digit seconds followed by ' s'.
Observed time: 10 h 09 min
